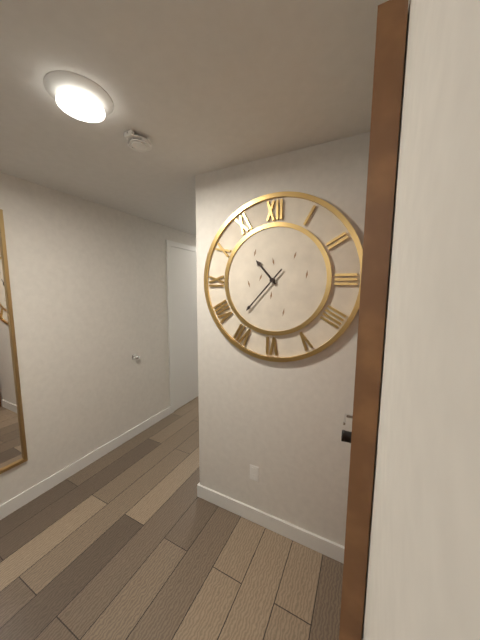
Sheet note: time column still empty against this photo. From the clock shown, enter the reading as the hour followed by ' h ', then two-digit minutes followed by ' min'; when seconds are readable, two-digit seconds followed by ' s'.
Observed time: 10 h 37 min
